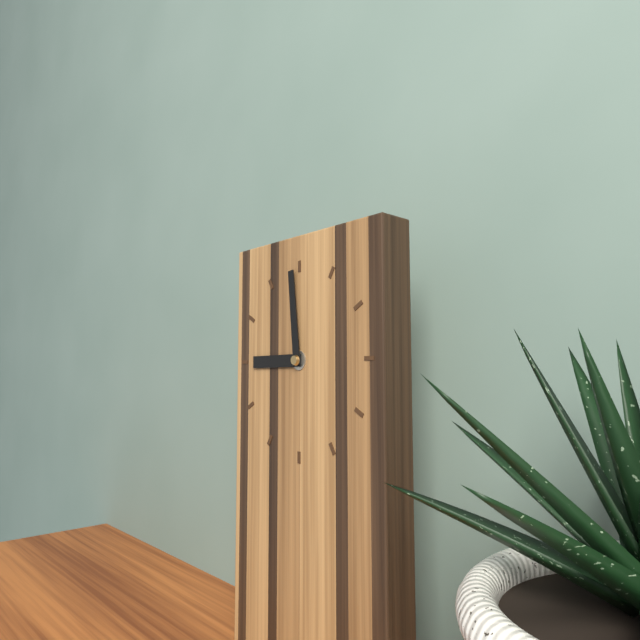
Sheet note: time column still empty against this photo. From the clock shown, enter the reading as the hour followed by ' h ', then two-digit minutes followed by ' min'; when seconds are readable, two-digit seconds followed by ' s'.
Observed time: 8 h 59 min
